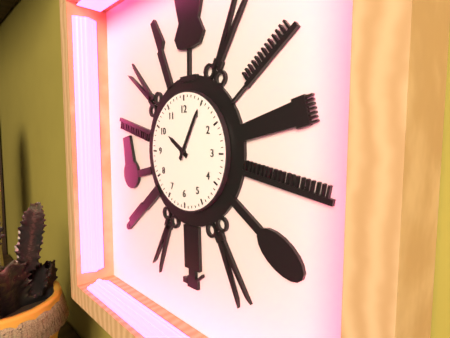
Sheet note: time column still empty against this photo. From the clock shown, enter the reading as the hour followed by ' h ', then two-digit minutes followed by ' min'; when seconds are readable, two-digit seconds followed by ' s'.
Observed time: 10 h 05 min
